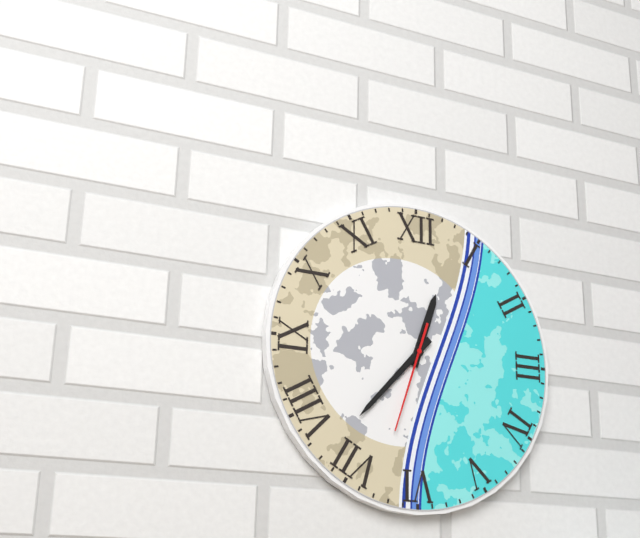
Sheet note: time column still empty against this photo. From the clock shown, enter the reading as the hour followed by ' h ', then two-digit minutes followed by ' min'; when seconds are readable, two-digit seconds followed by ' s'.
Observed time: 12 h 37 min 33 s
